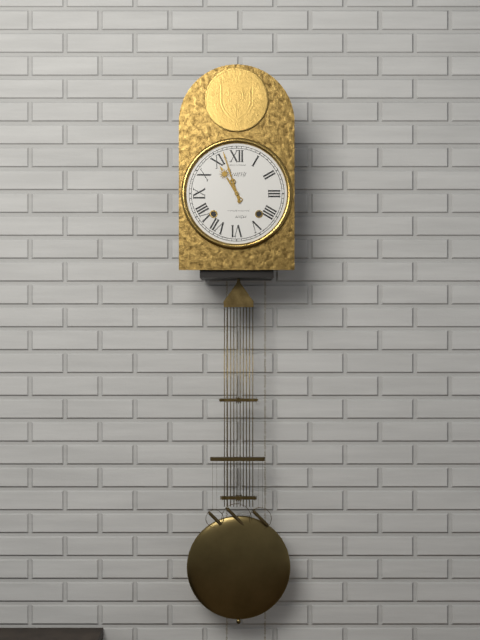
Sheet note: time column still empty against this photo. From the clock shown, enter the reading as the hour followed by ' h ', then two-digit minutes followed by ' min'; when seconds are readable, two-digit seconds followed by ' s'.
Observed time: 10 h 57 min
